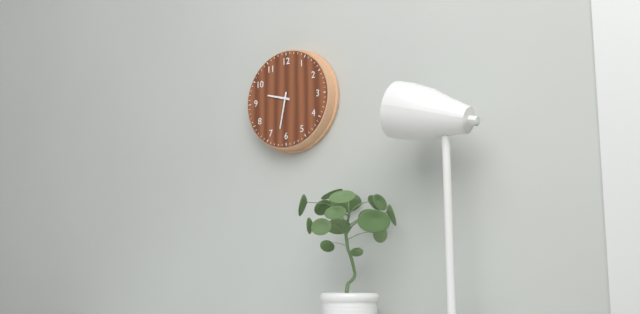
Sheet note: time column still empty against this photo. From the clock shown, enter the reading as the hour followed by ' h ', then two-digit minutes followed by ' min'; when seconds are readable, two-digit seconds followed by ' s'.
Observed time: 9 h 32 min
